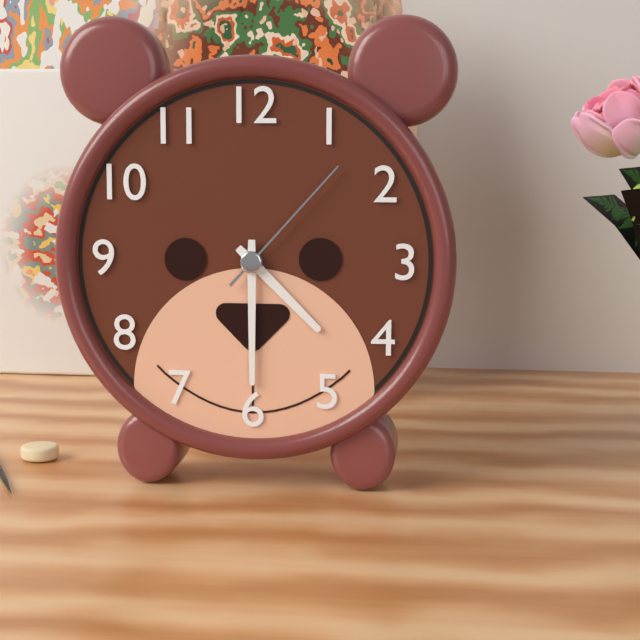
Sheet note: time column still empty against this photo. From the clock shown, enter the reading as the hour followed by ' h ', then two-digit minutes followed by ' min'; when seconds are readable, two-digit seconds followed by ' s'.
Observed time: 4 h 30 min 07 s
